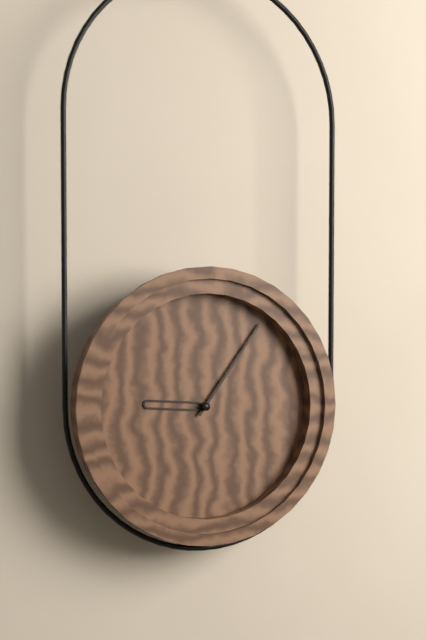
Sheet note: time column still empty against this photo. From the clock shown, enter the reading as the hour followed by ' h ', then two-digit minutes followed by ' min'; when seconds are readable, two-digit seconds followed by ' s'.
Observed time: 9 h 06 min
